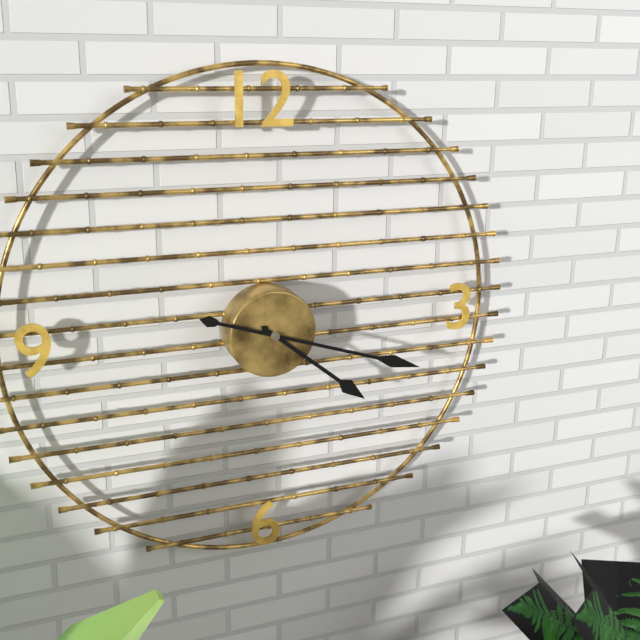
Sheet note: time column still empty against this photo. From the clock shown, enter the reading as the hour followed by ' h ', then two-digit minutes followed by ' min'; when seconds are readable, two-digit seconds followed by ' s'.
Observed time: 4 h 18 min
